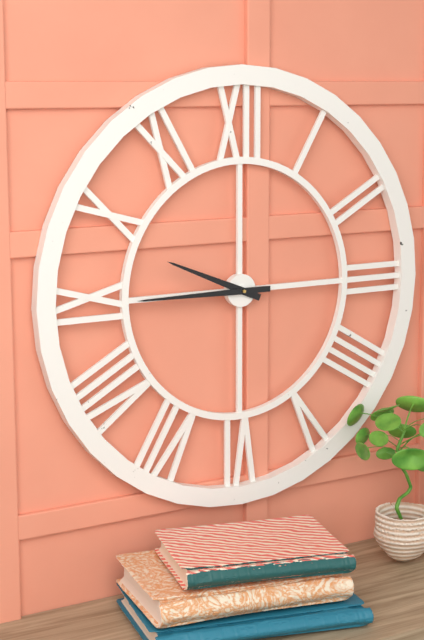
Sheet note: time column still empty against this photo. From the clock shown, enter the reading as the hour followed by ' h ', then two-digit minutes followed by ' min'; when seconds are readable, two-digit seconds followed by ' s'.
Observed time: 9 h 45 min
